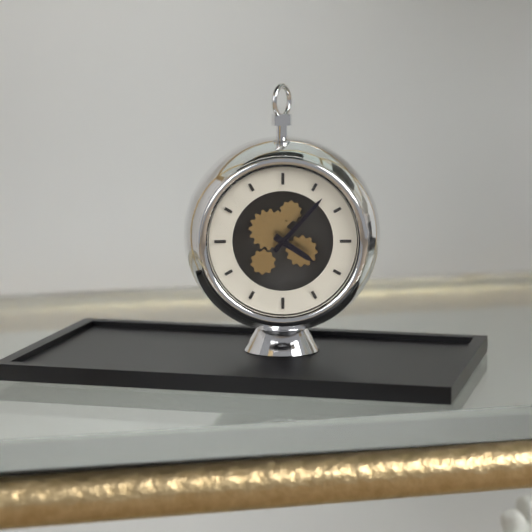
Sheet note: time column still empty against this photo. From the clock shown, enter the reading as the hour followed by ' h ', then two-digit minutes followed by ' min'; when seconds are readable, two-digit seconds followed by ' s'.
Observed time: 4 h 07 min
